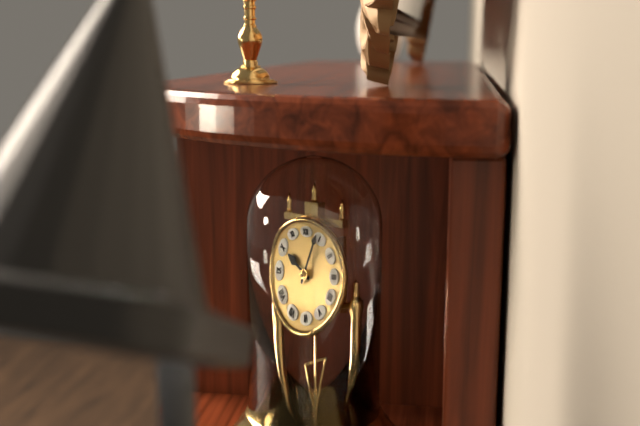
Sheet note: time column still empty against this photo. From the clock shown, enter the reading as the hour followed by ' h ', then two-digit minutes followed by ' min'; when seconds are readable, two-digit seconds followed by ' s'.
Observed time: 10 h 04 min
